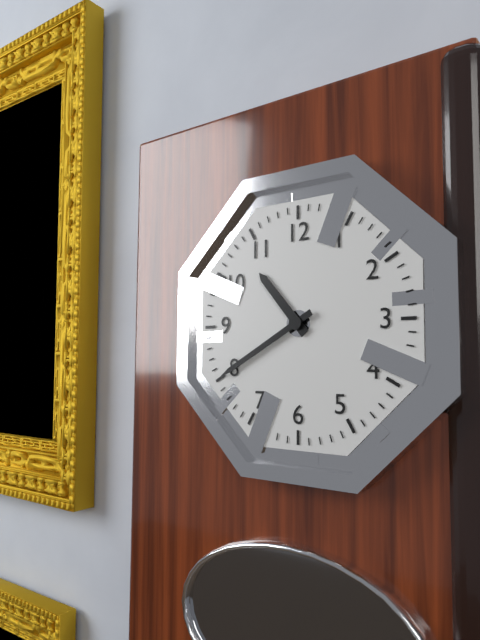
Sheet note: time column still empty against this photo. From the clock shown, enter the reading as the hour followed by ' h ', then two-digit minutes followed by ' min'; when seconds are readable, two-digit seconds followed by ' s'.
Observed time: 10 h 40 min
